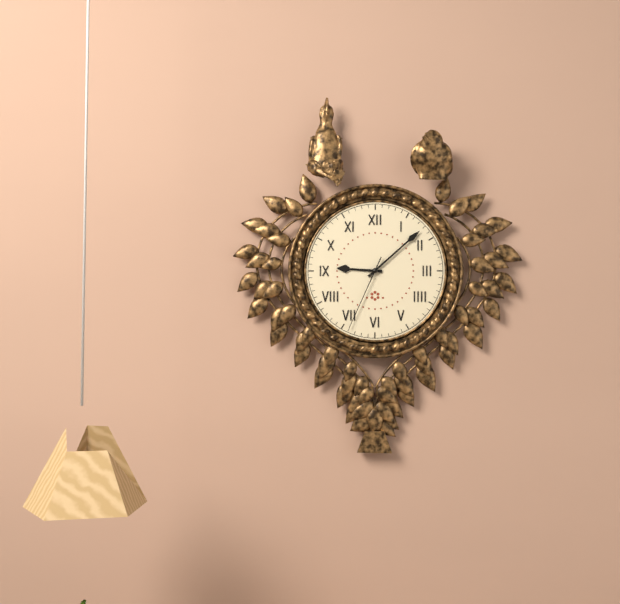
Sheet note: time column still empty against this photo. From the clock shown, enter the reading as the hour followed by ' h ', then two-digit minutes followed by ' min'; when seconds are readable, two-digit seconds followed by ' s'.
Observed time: 9 h 08 min 34 s
